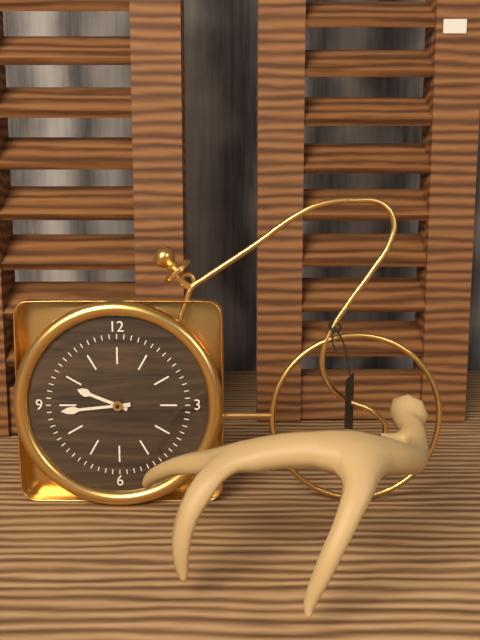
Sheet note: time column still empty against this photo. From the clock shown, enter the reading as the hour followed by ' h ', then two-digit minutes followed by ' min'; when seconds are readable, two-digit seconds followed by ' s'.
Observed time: 9 h 44 min
